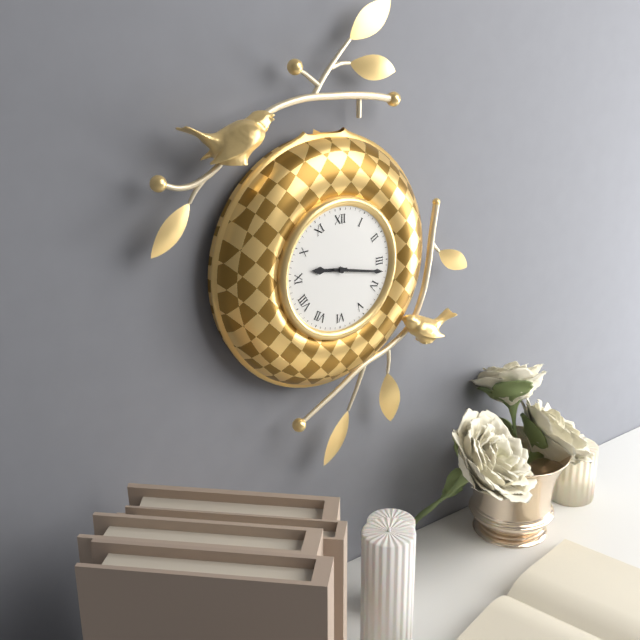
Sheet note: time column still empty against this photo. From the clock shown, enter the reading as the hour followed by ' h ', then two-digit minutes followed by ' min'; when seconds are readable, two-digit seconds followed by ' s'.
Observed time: 9 h 17 min
